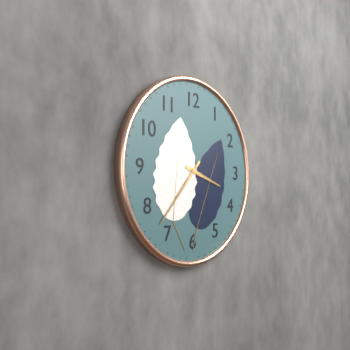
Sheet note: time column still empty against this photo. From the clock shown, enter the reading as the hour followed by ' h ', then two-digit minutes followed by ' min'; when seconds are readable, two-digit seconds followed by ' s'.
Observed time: 3 h 37 min
